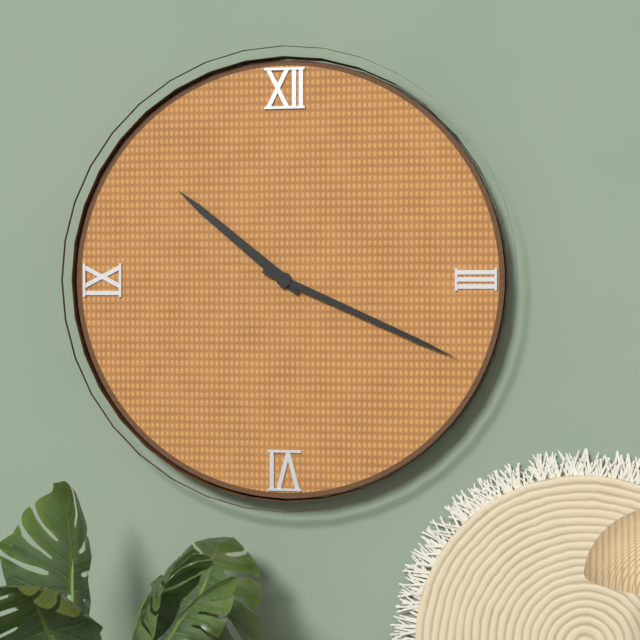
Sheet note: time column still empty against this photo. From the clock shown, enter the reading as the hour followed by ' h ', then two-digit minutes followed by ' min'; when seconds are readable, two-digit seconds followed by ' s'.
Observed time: 10 h 19 min
